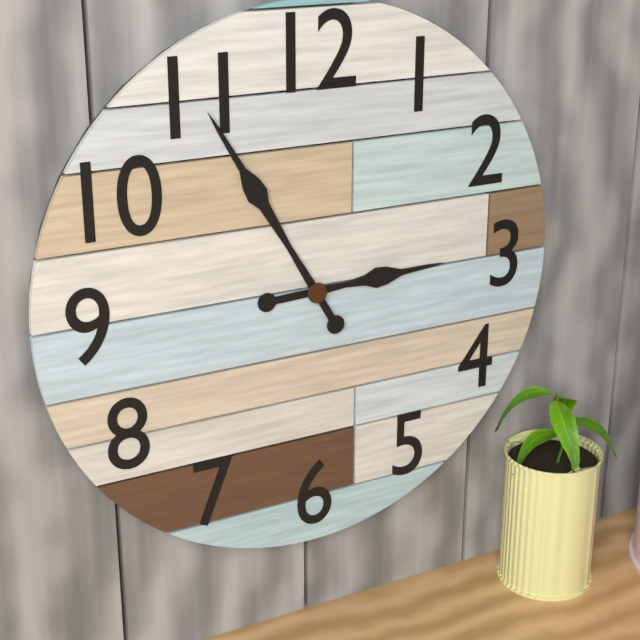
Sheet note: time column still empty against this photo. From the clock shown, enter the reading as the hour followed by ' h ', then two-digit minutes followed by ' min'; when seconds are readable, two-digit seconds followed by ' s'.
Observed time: 2 h 55 min
